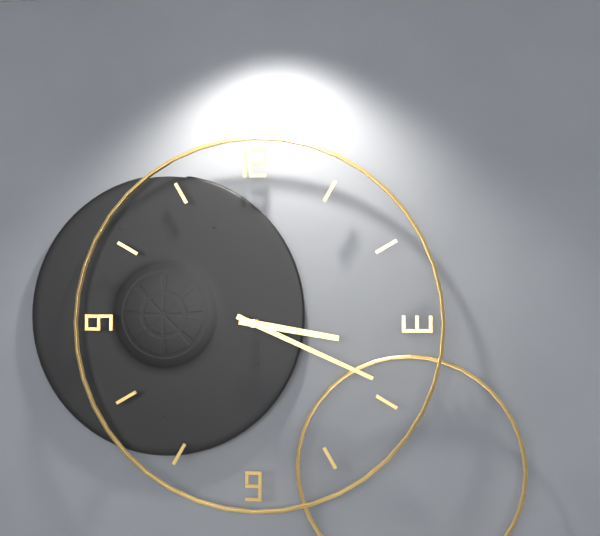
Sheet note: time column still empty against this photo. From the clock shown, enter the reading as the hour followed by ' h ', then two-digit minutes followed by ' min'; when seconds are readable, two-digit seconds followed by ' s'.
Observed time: 3 h 19 min
